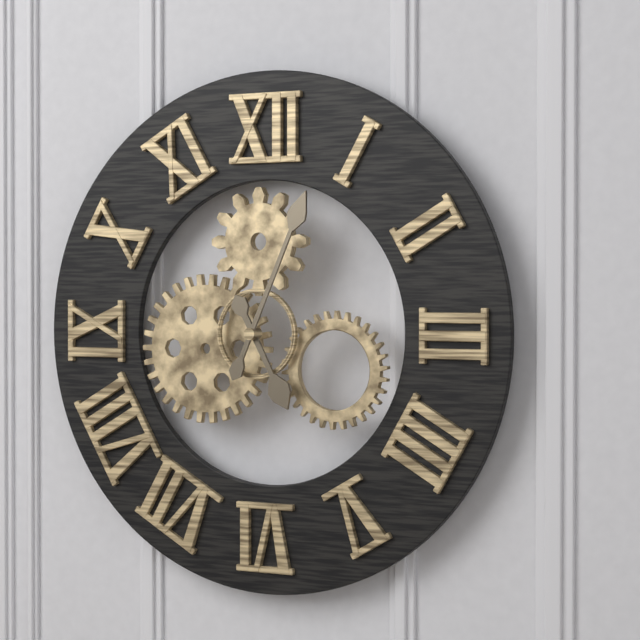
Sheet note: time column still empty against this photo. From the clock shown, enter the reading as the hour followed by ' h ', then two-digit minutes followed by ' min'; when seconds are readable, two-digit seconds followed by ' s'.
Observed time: 5 h 04 min
